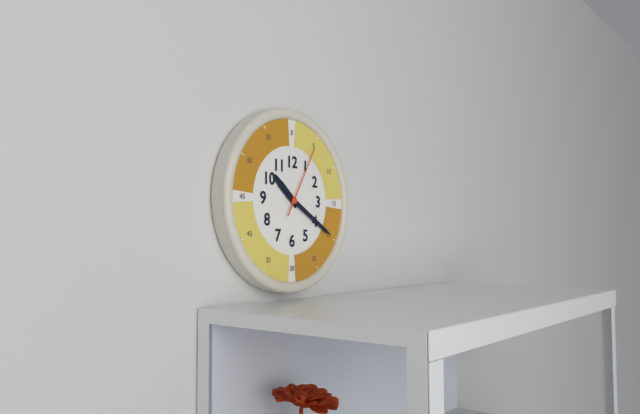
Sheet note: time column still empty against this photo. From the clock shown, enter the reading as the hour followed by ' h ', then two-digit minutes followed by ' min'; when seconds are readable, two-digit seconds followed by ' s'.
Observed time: 10 h 20 min 05 s
